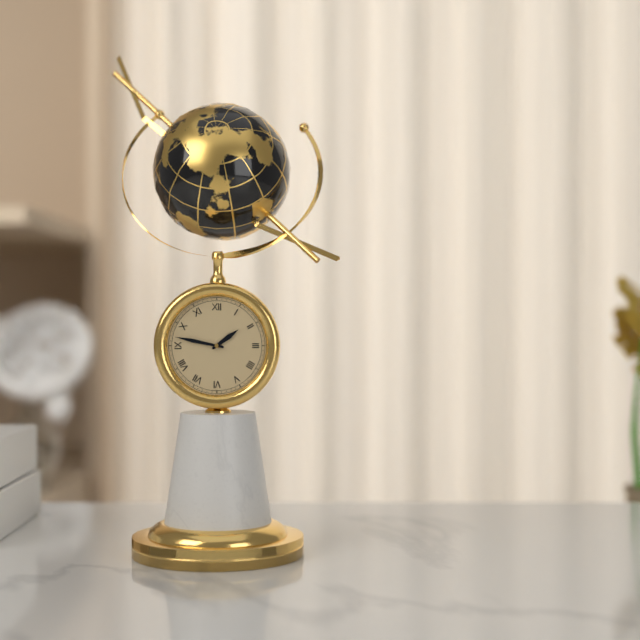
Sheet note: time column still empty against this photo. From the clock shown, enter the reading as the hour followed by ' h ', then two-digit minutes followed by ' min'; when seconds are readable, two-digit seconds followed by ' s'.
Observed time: 1 h 47 min
